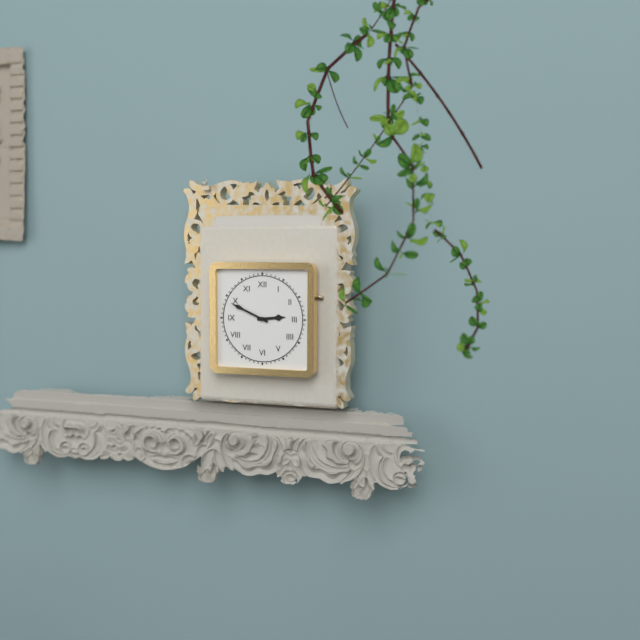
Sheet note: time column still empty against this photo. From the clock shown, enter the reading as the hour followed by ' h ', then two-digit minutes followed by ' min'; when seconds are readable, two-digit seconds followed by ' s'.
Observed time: 2 h 49 min
